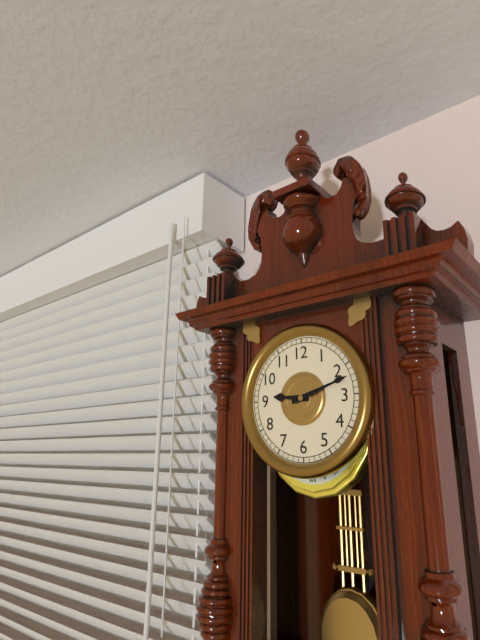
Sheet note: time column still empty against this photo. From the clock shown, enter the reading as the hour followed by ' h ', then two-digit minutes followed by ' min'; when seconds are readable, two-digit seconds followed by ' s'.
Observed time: 9 h 12 min
